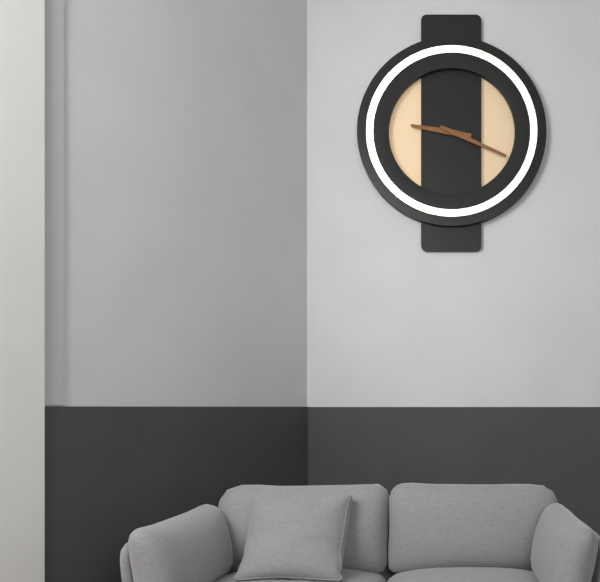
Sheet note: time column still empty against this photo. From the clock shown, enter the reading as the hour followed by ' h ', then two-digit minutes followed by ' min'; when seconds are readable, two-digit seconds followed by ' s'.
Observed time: 9 h 19 min
